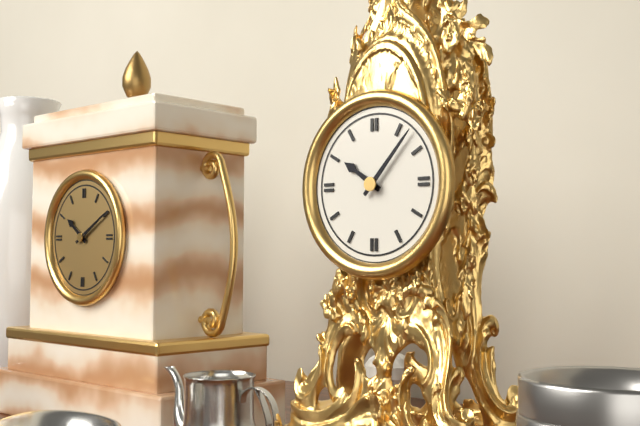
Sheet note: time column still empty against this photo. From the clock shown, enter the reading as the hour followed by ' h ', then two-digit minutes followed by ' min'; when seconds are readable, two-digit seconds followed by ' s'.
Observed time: 10 h 07 min
